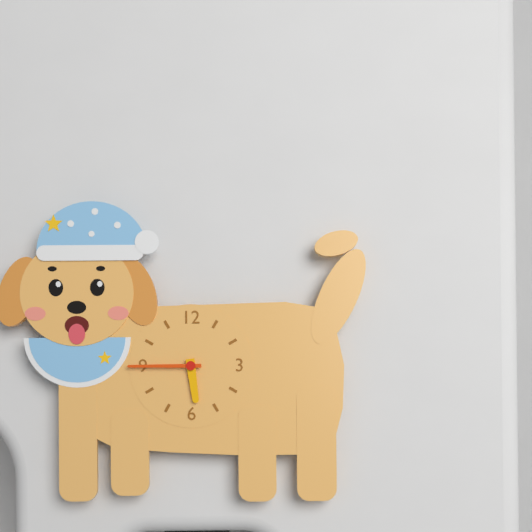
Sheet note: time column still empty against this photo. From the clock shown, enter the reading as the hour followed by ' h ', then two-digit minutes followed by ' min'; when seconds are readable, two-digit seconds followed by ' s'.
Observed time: 5 h 45 min
